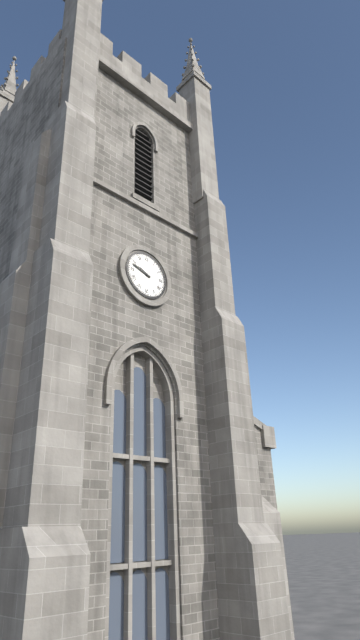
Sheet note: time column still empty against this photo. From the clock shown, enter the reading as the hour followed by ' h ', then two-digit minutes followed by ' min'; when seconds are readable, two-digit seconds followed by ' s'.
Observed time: 9 h 48 min
